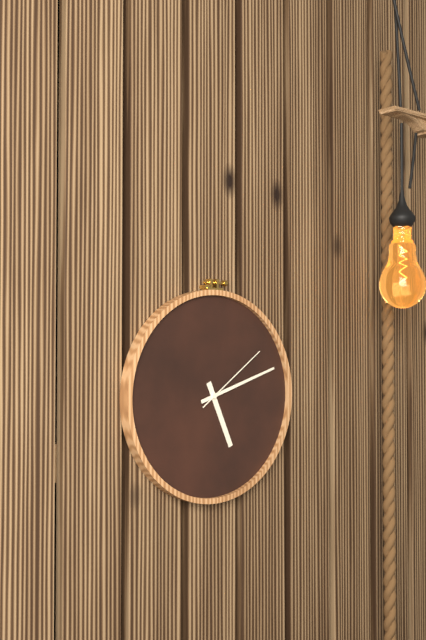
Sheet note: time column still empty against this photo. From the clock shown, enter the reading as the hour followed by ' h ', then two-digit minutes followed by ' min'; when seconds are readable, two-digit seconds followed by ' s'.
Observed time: 5 h 12 min 09 s
